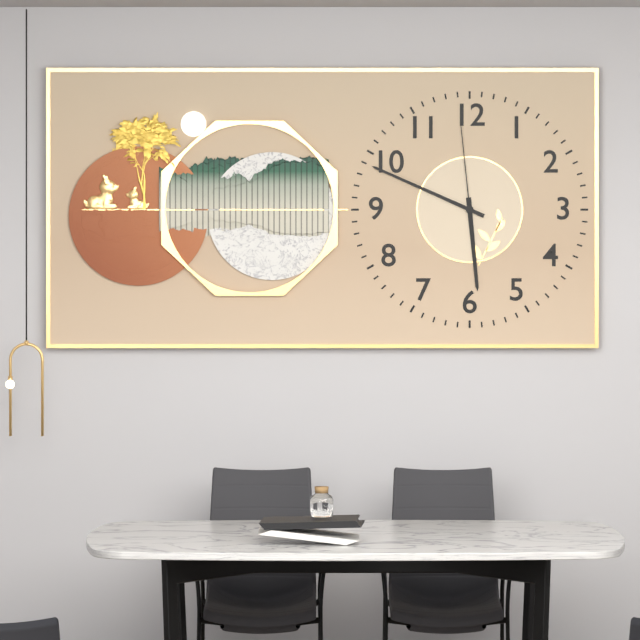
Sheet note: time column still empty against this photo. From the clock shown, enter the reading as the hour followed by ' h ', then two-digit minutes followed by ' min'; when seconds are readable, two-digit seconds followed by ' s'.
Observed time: 5 h 49 min 59 s
